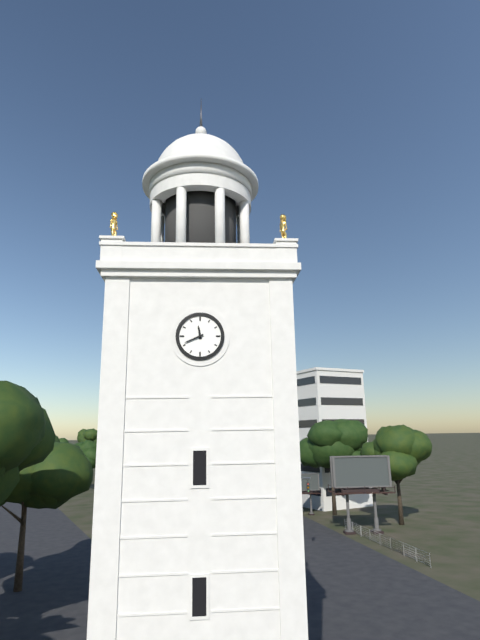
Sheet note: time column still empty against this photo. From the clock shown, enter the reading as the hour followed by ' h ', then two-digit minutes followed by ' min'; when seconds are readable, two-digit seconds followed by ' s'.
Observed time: 11 h 41 min
